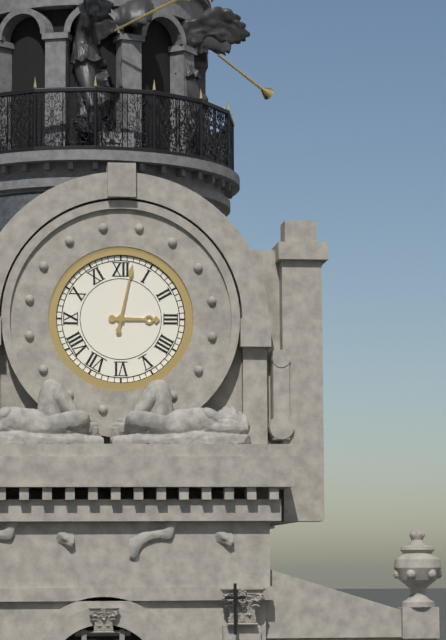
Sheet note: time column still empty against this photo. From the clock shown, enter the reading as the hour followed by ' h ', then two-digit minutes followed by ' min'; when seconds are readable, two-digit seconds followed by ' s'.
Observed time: 3 h 02 min
